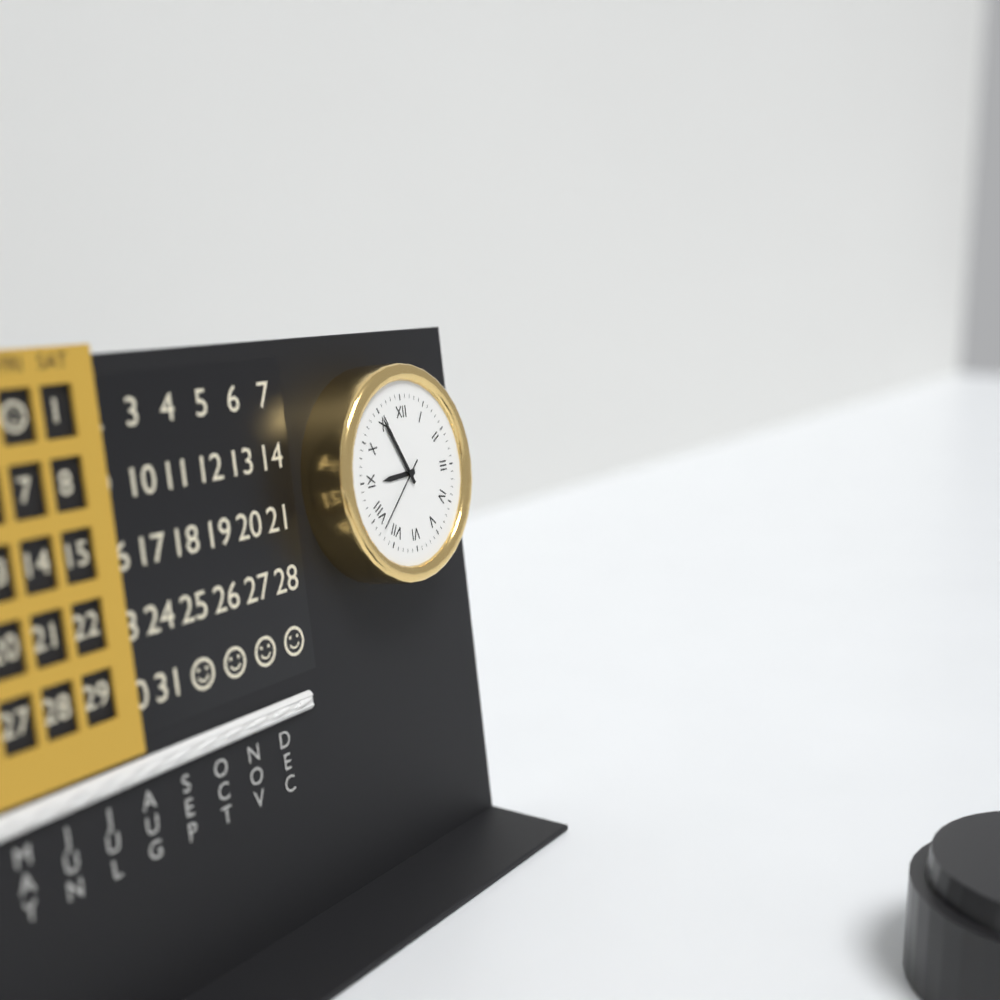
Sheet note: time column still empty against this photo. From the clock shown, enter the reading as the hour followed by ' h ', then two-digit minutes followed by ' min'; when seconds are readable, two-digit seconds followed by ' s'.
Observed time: 8 h 55 min 38 s
